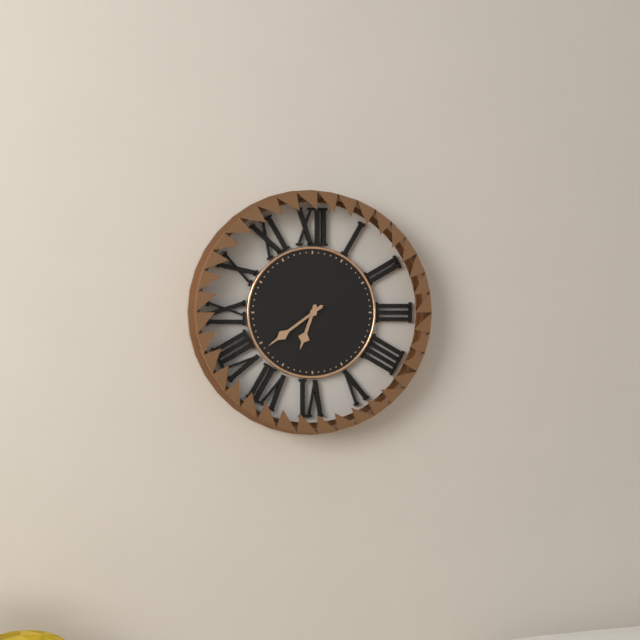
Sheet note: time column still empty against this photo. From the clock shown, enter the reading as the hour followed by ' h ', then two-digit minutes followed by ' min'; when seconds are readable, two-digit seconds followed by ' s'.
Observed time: 6 h 39 min
